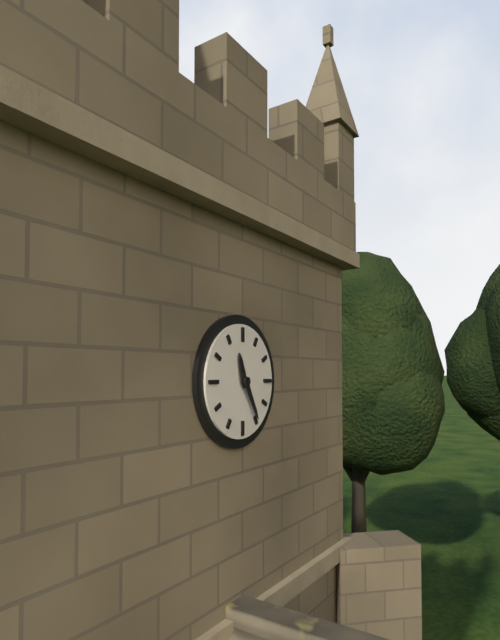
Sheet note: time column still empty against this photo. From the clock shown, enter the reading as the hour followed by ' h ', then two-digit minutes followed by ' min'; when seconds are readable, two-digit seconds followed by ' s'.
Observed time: 11 h 25 min
